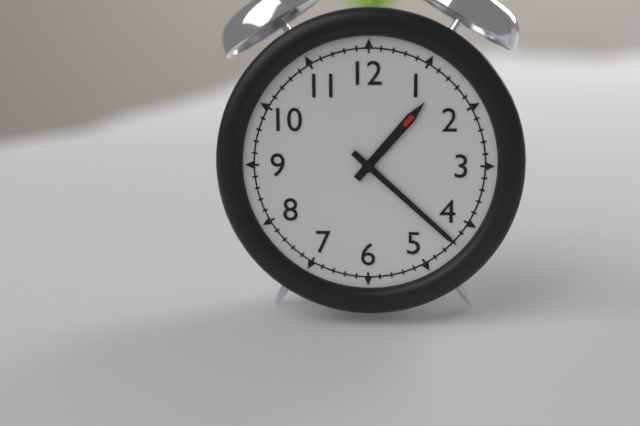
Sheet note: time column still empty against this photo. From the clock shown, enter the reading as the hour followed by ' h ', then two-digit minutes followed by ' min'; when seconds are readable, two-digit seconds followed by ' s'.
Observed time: 1 h 22 min
